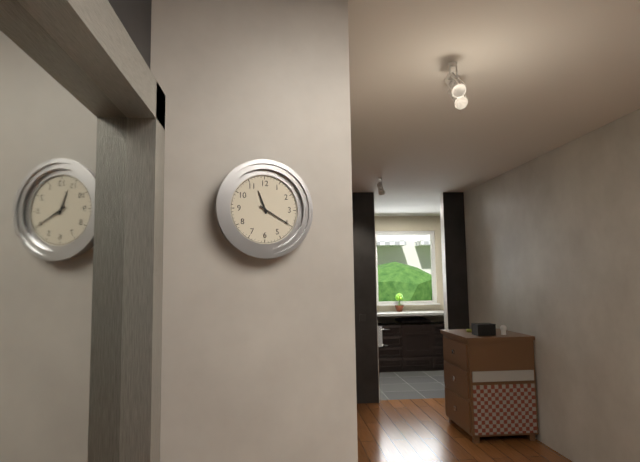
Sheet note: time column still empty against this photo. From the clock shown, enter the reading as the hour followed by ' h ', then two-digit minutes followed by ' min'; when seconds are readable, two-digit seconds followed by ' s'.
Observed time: 11 h 20 min
